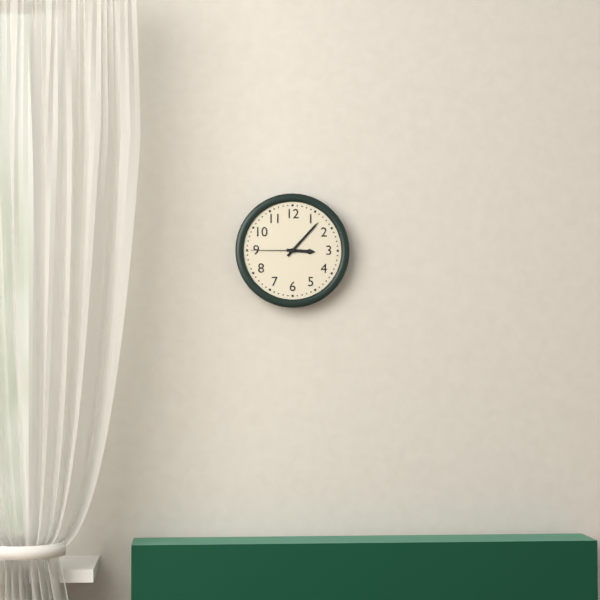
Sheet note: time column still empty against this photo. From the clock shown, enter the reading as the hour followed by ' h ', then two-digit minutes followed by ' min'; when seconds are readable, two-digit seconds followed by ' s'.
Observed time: 3 h 07 min 45 s
